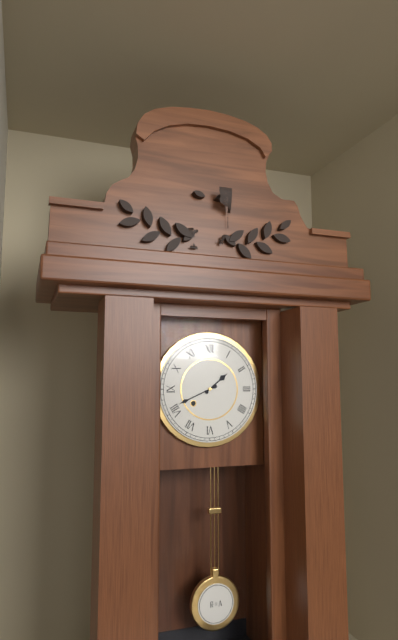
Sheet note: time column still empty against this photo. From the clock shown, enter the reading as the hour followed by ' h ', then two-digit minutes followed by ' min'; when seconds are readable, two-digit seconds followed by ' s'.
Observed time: 1 h 41 min
